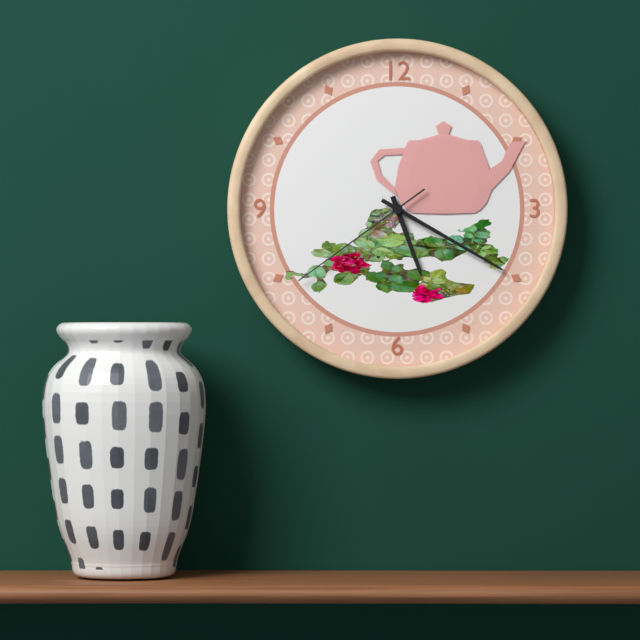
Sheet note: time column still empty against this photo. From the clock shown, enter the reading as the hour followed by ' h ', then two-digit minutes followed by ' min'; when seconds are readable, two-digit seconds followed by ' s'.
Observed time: 5 h 20 min 39 s
